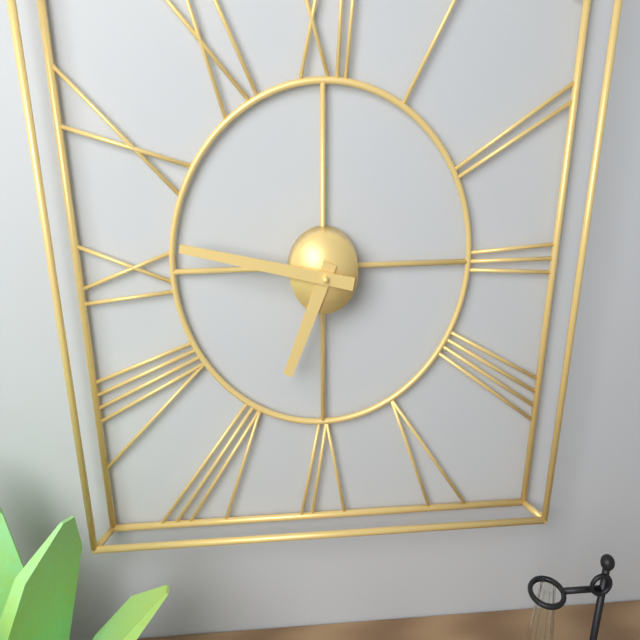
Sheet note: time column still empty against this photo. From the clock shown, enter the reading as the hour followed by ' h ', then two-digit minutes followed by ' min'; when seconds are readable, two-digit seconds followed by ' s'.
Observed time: 6 h 47 min
